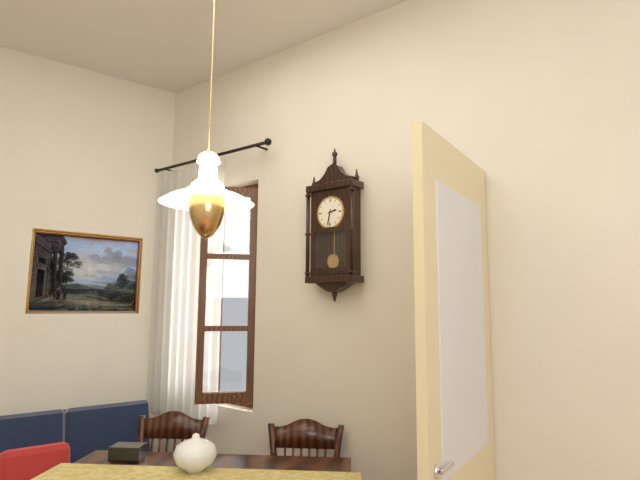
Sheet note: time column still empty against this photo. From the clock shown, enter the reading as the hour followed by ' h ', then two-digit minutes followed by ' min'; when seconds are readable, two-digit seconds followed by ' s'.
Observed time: 2 h 32 min
